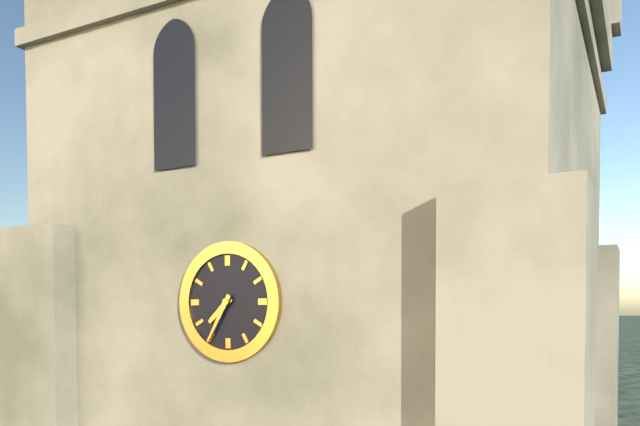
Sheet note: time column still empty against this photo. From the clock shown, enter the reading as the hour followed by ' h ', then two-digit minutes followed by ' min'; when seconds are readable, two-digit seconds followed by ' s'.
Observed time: 7 h 35 min
